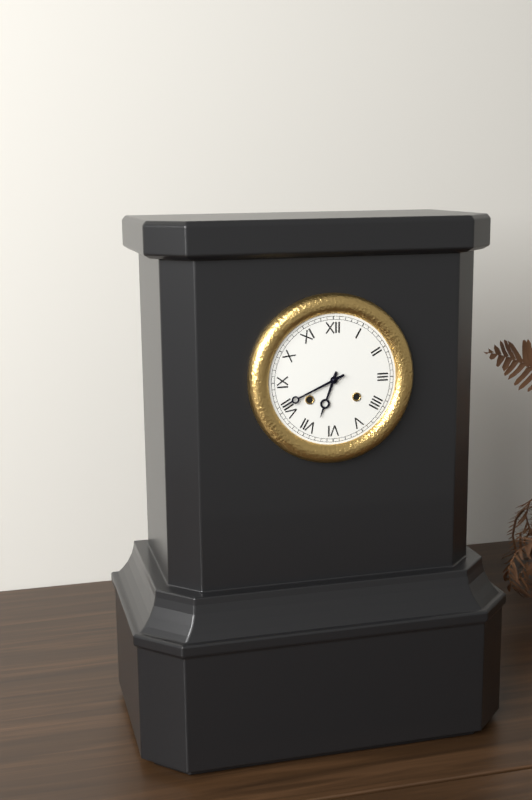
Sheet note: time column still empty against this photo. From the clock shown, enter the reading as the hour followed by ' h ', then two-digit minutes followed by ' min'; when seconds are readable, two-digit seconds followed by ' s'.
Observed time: 6 h 41 min
